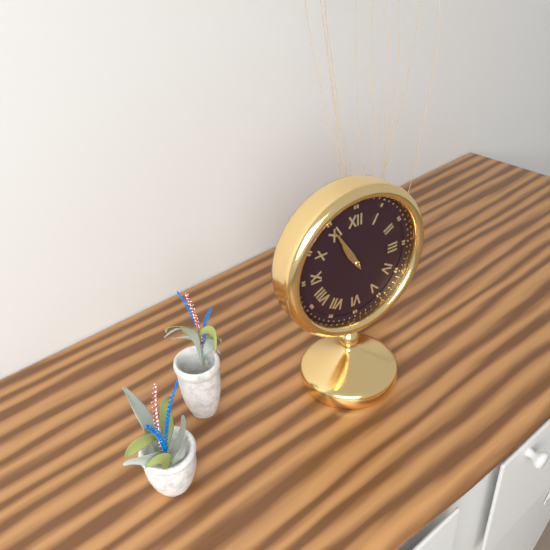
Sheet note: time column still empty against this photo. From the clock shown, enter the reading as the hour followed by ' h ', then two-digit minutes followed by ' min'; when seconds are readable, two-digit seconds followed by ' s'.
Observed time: 10 h 55 min
